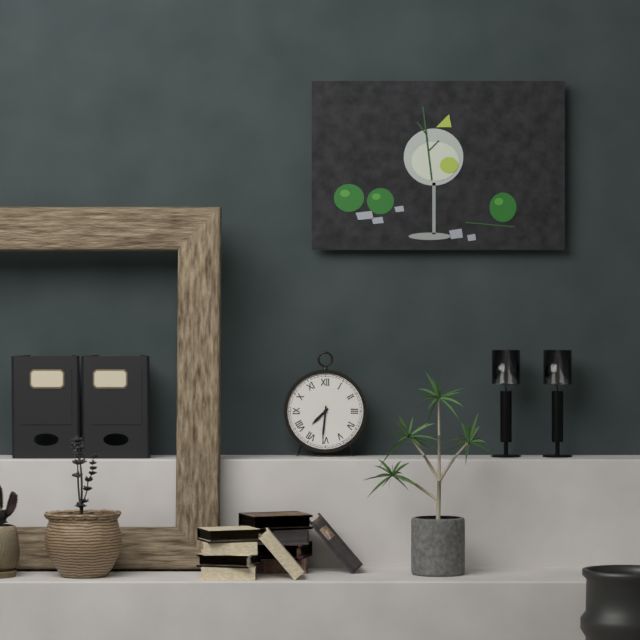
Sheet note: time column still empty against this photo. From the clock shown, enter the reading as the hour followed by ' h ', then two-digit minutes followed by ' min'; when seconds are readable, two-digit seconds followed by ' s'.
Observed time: 7 h 31 min
